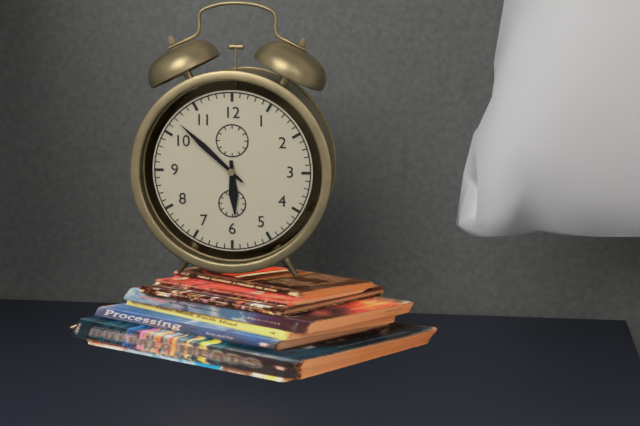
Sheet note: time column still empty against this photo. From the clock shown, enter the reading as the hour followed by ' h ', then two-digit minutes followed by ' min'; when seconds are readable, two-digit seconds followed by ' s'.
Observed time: 5 h 52 min
